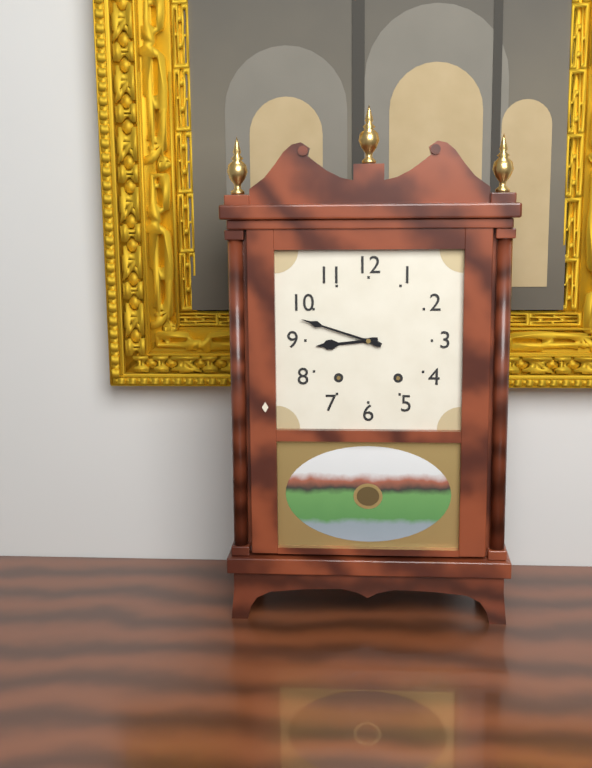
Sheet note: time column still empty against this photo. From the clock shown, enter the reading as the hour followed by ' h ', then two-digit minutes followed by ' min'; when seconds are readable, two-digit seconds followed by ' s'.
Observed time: 8 h 48 min
